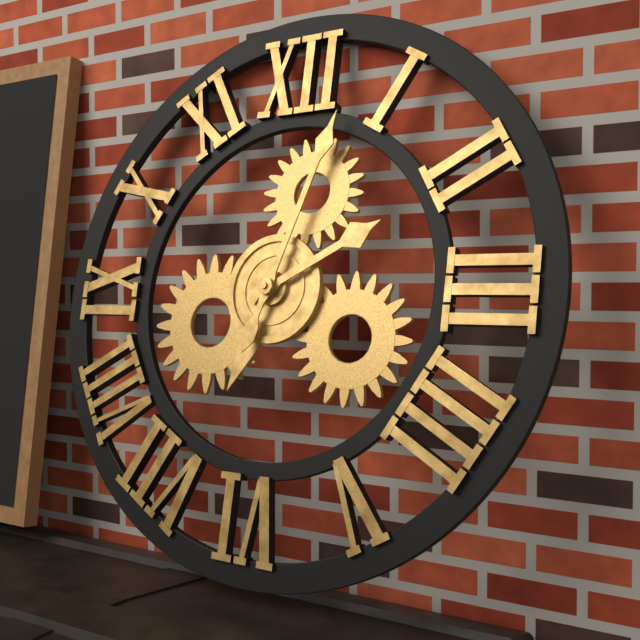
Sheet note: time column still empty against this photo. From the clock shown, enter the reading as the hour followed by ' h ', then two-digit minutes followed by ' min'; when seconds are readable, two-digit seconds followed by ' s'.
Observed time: 2 h 03 min
